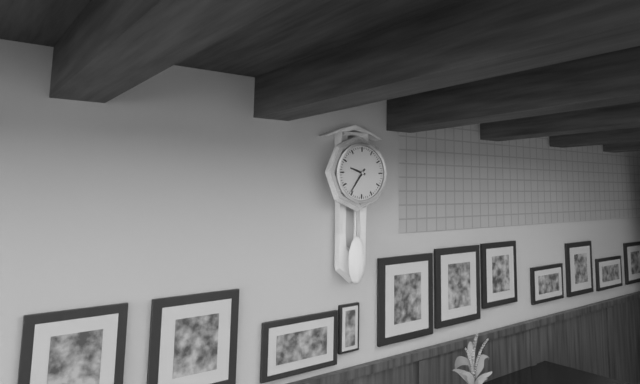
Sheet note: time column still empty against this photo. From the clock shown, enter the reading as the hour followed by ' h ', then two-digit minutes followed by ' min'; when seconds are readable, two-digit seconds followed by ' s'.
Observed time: 9 h 36 min
